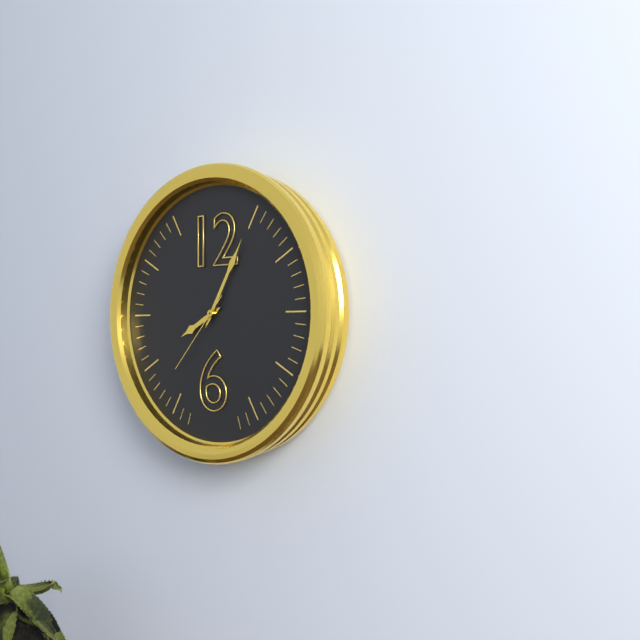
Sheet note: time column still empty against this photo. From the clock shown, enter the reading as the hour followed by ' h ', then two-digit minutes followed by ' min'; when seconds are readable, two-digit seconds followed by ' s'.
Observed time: 8 h 05 min 37 s
